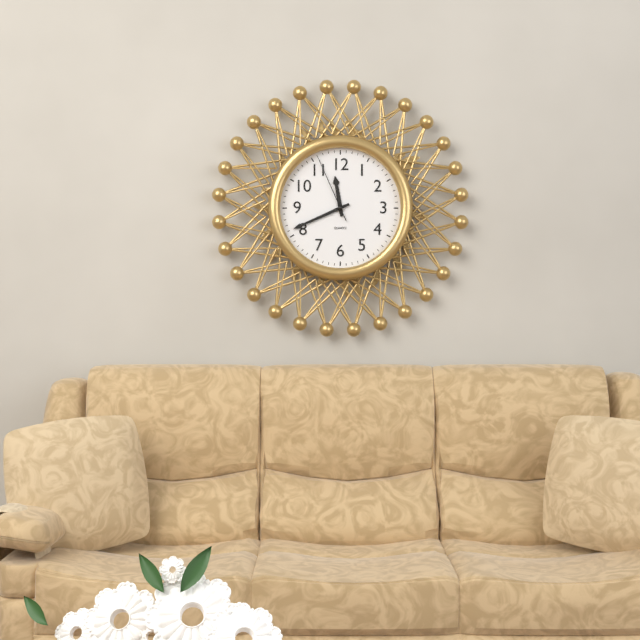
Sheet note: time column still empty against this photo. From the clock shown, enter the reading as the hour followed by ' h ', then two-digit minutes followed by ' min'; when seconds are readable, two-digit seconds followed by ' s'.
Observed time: 11 h 41 min 56 s
